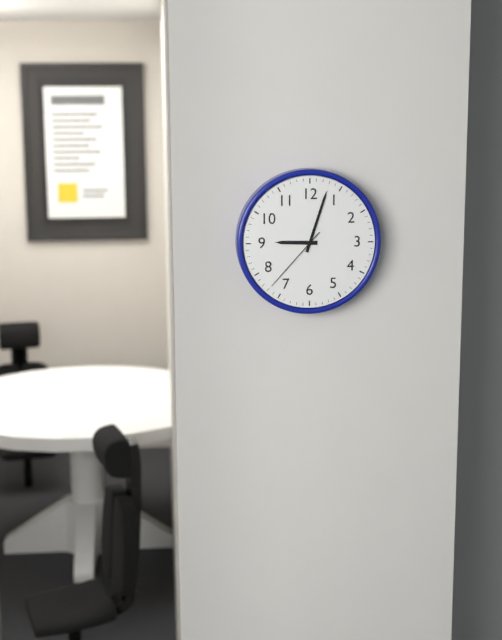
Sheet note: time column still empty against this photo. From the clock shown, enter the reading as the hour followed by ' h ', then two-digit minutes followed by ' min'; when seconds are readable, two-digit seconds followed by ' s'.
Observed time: 9 h 03 min 37 s
